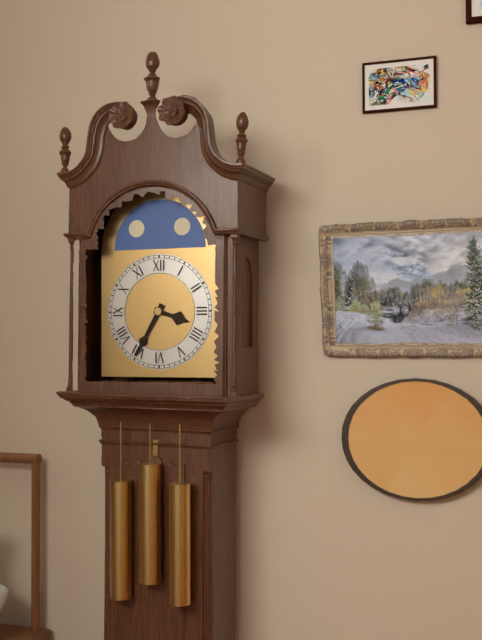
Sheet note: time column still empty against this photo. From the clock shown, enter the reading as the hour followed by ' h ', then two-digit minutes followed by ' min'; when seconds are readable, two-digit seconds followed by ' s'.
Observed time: 3 h 35 min
